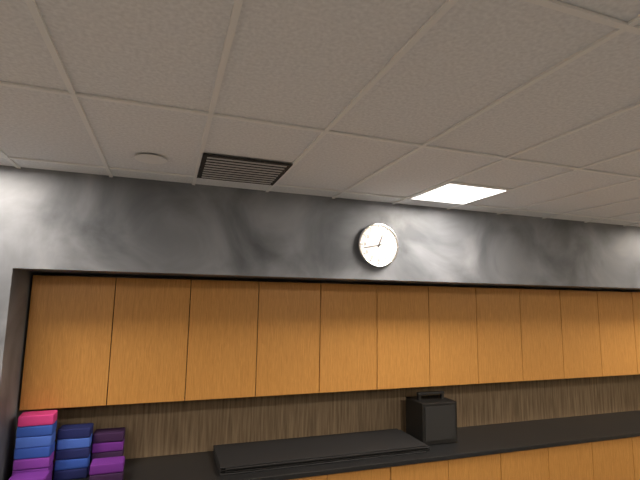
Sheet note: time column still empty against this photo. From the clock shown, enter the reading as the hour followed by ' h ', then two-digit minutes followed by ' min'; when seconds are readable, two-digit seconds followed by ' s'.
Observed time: 12 h 43 min
